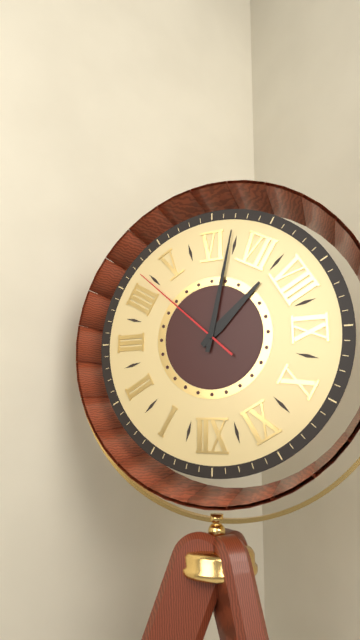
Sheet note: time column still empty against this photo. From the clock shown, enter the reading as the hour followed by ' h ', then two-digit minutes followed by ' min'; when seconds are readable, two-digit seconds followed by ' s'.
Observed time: 7 h 32 min 22 s
